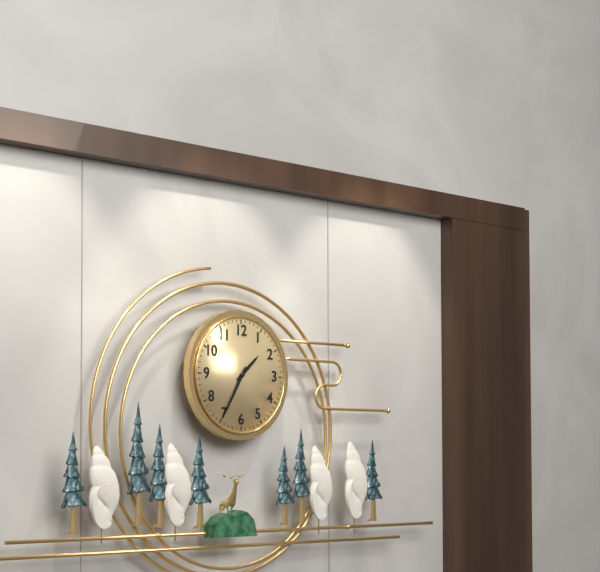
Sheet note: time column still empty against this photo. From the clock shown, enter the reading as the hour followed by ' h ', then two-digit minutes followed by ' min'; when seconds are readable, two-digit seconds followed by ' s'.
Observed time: 1 h 35 min
